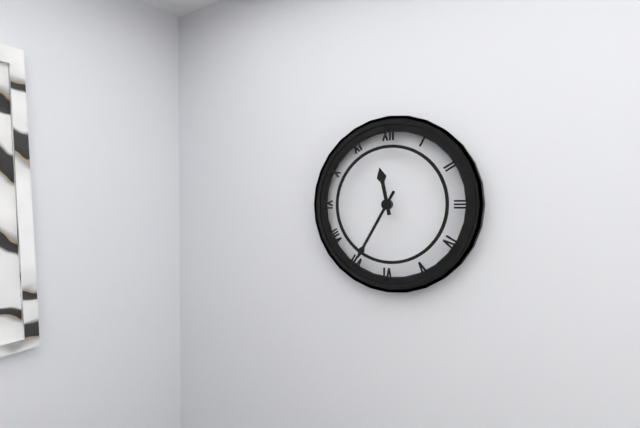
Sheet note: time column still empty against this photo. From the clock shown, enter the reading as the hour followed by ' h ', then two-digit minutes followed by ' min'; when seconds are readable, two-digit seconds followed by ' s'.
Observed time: 11 h 35 min
